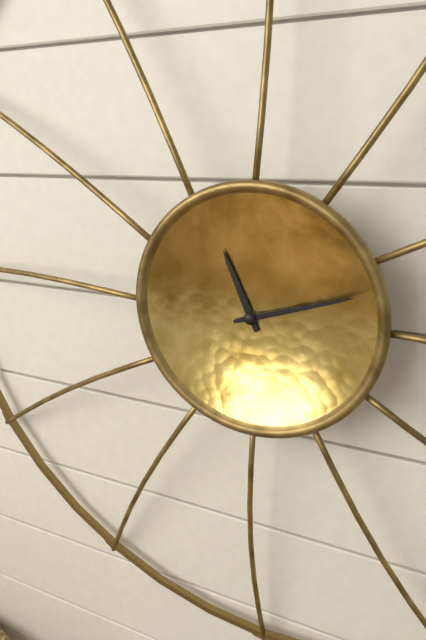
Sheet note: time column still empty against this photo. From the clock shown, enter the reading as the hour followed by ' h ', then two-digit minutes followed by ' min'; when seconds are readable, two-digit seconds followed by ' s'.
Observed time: 11 h 12 min
